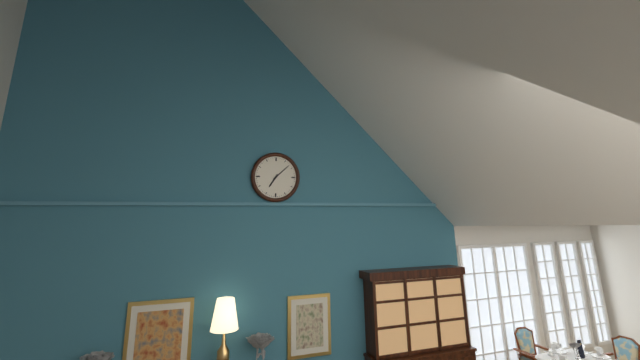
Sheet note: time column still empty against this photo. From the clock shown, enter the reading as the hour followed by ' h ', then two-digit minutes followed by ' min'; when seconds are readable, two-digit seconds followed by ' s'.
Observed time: 7 h 08 min
